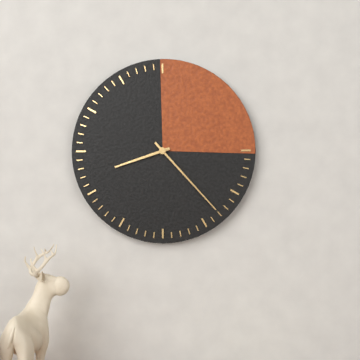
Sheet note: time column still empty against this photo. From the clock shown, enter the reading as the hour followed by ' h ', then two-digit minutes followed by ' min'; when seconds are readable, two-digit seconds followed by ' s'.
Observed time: 8 h 23 min
